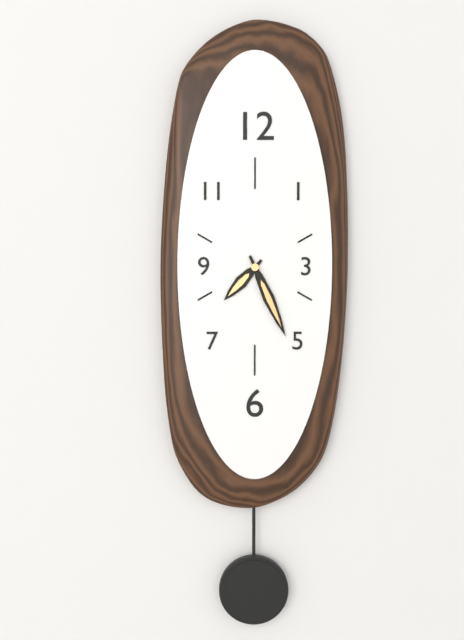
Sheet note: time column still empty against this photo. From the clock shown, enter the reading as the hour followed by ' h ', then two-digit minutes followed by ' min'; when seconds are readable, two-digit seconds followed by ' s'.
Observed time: 7 h 26 min
